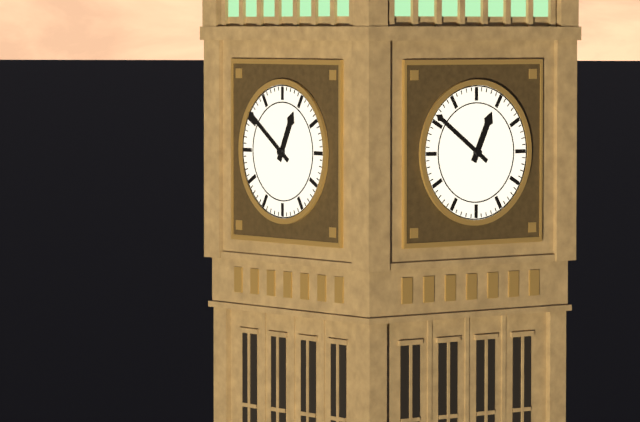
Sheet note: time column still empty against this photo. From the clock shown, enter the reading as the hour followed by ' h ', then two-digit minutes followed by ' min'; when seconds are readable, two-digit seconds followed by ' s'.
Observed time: 12 h 51 min
